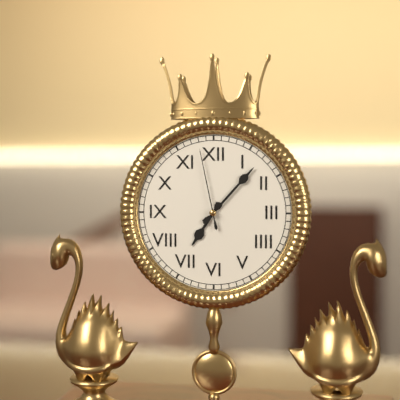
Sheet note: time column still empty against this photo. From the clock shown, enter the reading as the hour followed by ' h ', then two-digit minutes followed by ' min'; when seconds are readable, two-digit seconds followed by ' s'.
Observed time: 7 h 07 min 58 s
